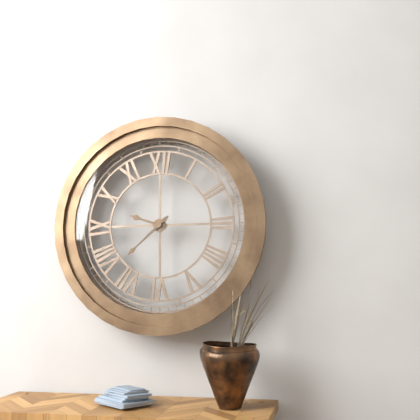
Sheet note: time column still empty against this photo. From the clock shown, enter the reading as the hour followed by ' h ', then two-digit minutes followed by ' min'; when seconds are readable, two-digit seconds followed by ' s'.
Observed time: 9 h 38 min
